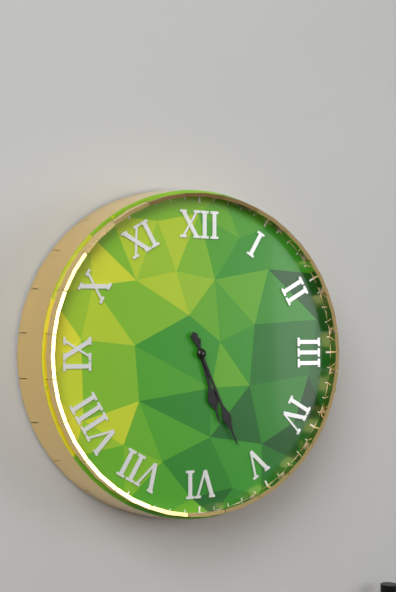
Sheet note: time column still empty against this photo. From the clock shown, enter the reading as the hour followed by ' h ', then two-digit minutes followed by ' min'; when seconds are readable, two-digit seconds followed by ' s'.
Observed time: 5 h 26 min
